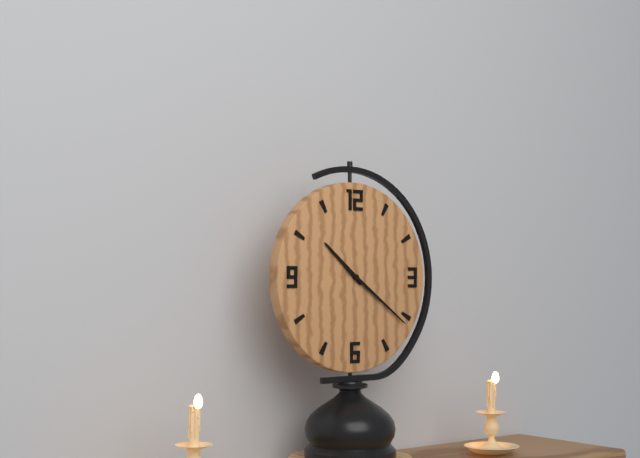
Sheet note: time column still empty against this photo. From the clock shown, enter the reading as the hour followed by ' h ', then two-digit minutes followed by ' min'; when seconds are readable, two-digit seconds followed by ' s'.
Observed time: 10 h 21 min
